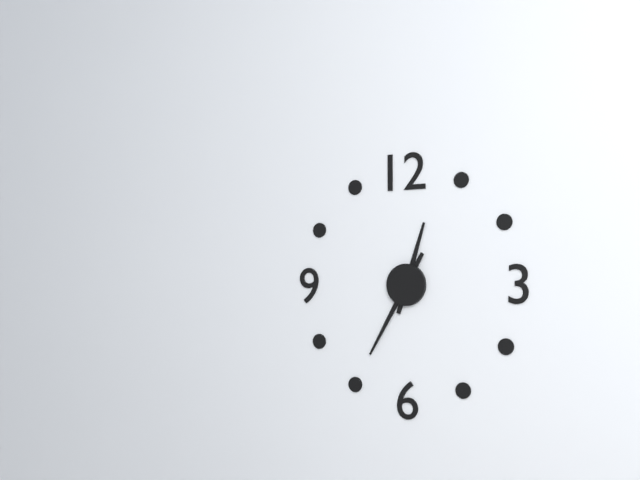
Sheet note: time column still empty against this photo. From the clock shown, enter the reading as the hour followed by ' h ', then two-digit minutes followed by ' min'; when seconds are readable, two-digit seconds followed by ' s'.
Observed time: 12 h 35 min
